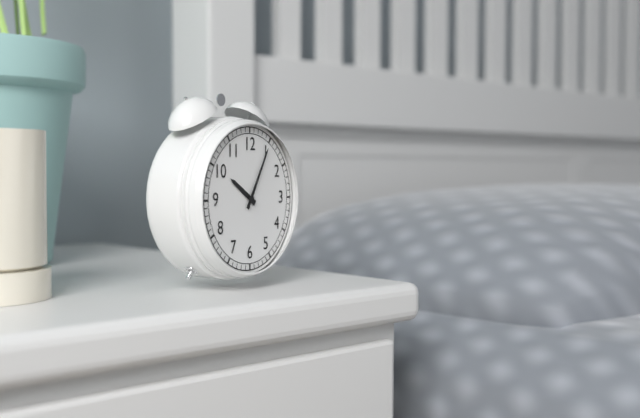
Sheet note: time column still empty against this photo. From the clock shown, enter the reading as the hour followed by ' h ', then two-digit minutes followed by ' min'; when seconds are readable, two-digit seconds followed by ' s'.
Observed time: 10 h 05 min
